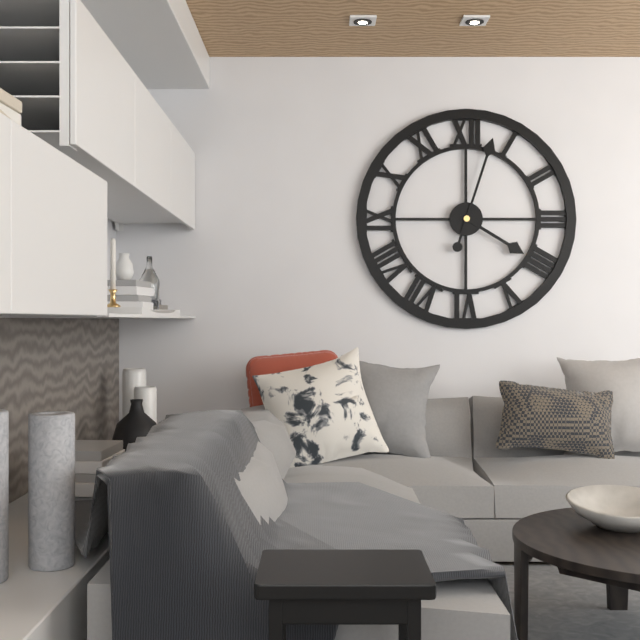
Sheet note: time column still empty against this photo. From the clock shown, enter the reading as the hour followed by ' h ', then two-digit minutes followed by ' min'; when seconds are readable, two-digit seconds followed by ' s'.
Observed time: 4 h 03 min
